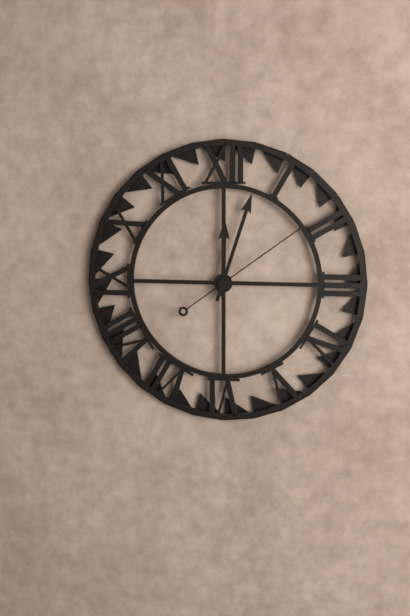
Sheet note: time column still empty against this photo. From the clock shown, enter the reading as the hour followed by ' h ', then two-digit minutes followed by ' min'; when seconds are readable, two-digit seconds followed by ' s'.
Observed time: 12 h 03 min 09 s
